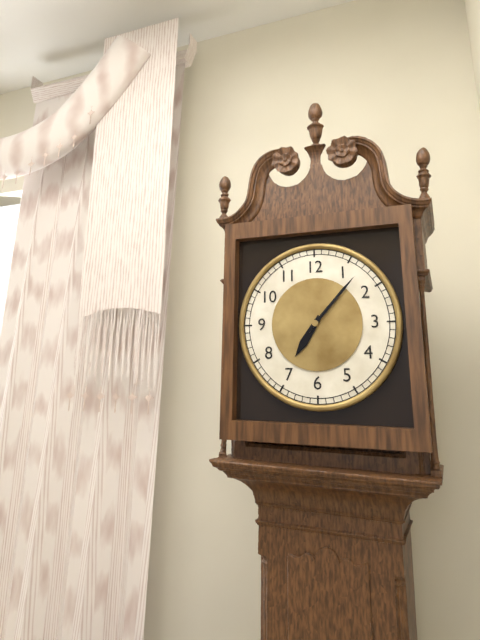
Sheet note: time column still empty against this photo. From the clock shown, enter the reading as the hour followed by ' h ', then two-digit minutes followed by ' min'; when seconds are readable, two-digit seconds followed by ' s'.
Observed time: 7 h 07 min
